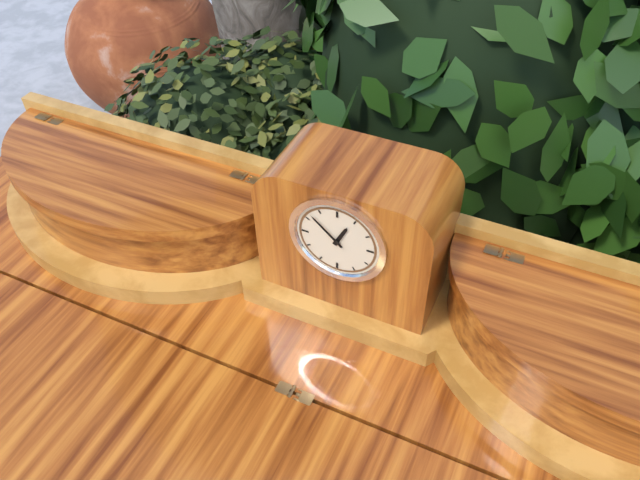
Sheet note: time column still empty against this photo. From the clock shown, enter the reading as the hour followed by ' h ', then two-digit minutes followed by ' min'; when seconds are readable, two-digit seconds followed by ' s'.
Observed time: 12 h 52 min
